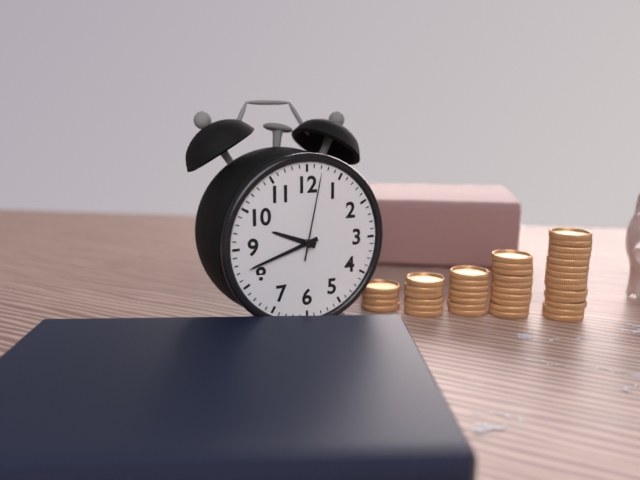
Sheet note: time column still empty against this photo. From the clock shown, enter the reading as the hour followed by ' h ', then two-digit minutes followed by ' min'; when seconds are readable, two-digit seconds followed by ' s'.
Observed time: 9 h 42 min 02 s
